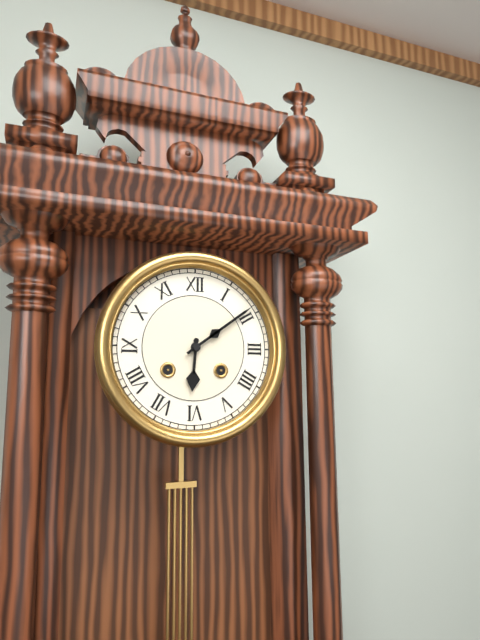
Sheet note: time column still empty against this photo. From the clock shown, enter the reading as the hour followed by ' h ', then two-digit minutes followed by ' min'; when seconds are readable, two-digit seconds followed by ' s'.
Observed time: 6 h 09 min
